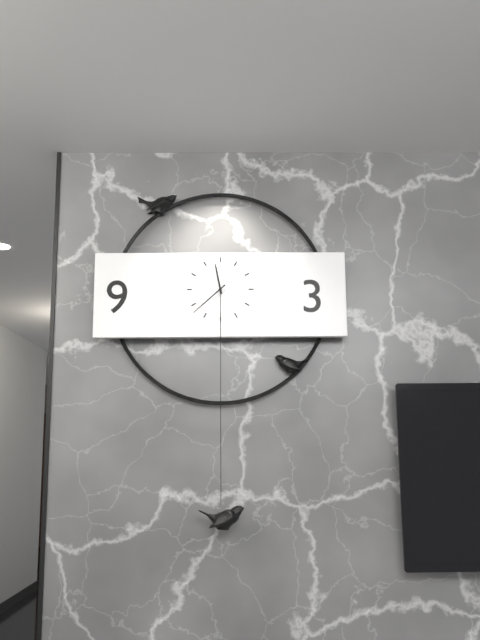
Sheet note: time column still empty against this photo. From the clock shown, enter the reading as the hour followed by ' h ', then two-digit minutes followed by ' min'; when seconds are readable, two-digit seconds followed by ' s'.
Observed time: 11 h 38 min
